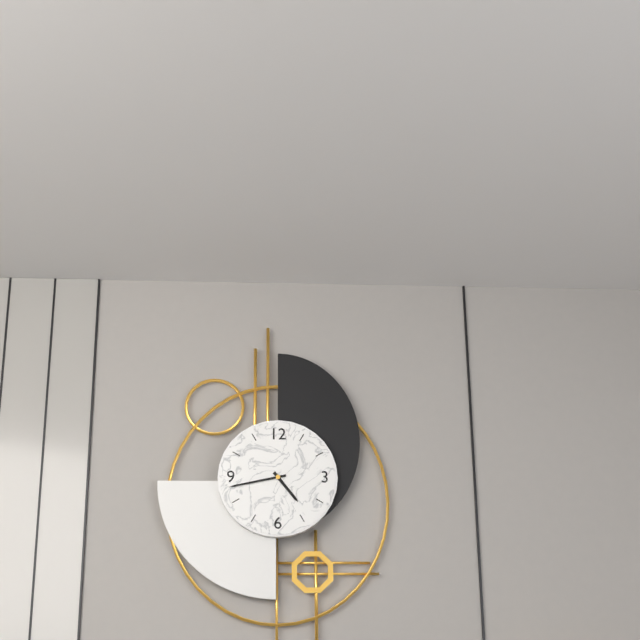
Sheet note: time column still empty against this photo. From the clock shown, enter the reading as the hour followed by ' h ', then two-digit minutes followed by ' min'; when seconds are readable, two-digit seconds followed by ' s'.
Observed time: 4 h 43 min
